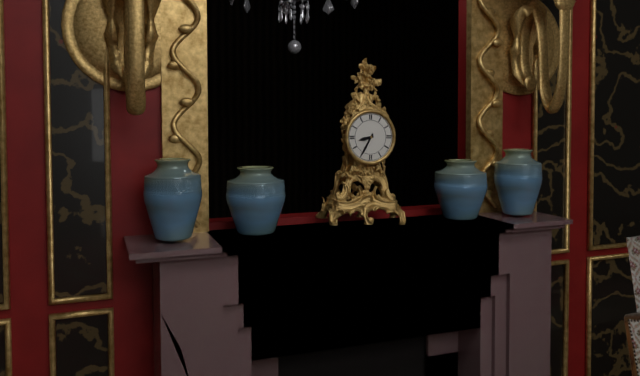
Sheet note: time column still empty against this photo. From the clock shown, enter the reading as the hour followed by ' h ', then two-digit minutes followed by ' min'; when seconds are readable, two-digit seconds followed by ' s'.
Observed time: 8 h 35 min
